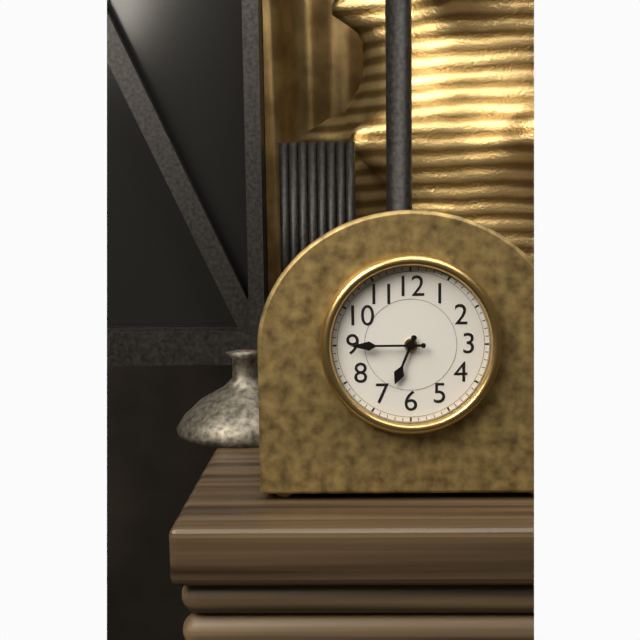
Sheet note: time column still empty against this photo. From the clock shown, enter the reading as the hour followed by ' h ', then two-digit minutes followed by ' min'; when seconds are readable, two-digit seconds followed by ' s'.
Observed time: 6 h 45 min
